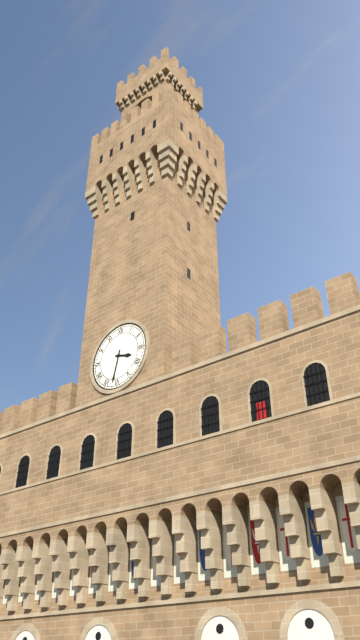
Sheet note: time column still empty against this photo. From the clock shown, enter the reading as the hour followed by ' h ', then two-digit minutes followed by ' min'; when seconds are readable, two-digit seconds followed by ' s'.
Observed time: 3 h 32 min
